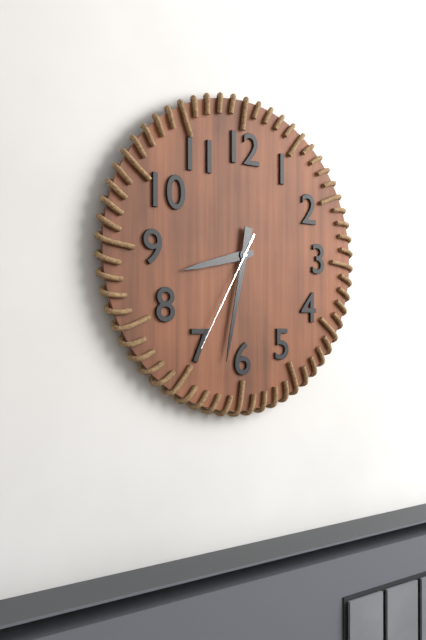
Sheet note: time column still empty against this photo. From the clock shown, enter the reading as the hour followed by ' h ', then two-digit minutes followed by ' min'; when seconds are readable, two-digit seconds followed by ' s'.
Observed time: 8 h 32 min 35 s
